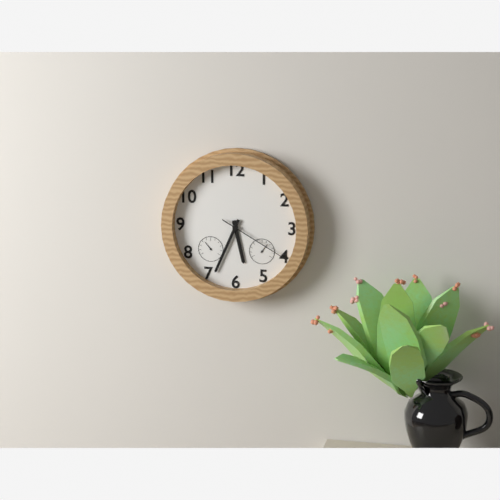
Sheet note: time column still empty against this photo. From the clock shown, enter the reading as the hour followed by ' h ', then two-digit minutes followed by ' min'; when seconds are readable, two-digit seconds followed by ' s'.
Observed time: 5 h 34 min 20 s
